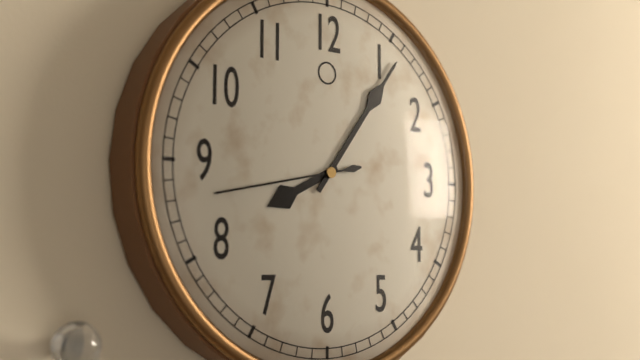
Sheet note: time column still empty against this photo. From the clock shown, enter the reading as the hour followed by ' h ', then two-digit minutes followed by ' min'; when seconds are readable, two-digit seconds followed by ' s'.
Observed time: 8 h 06 min 43 s
